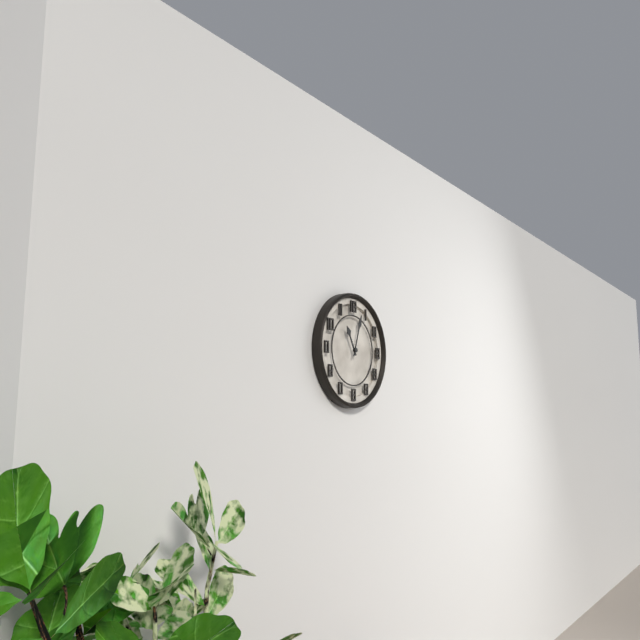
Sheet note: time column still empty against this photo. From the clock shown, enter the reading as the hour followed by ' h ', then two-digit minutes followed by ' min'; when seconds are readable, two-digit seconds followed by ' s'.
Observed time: 11 h 03 min
